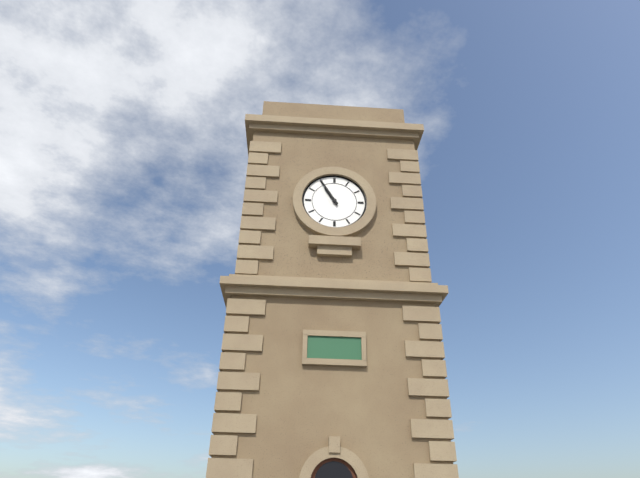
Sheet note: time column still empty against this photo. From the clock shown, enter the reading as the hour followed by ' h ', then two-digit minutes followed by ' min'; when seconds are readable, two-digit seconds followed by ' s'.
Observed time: 10 h 55 min
